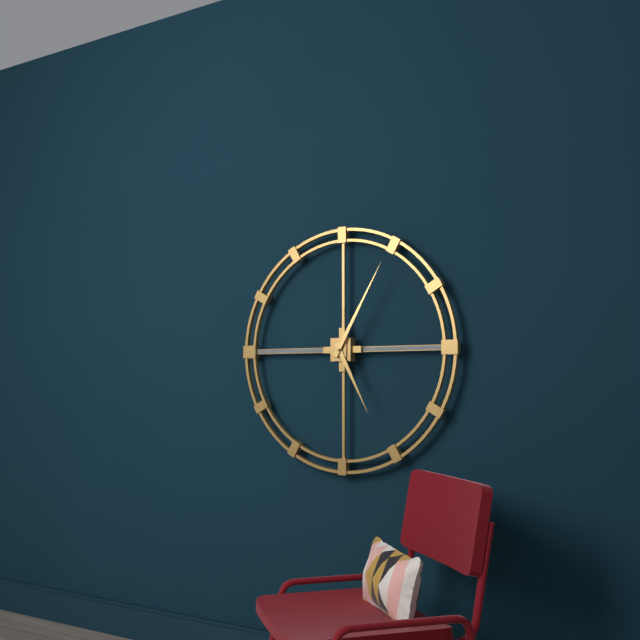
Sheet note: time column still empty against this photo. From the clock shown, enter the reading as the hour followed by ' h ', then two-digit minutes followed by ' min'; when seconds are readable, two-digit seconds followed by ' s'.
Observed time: 5 h 05 min
